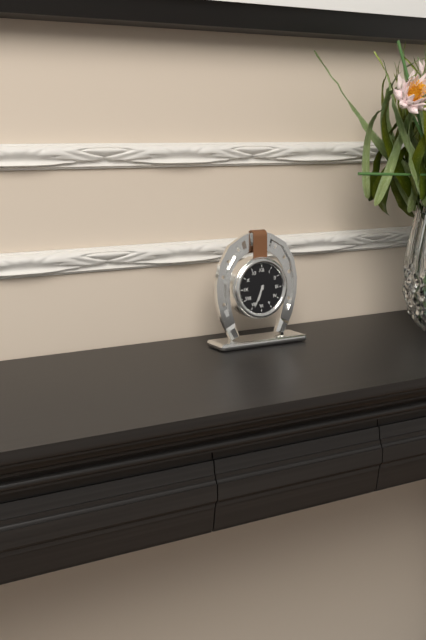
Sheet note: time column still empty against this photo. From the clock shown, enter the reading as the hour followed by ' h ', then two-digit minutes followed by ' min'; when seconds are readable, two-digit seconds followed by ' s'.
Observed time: 6 h 34 min
